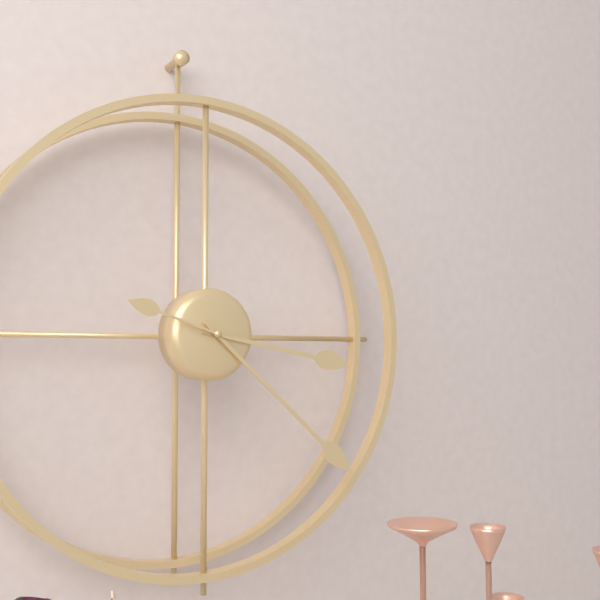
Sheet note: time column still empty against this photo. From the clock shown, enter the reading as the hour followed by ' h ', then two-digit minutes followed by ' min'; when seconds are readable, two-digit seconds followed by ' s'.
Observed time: 3 h 22 min 48 s
